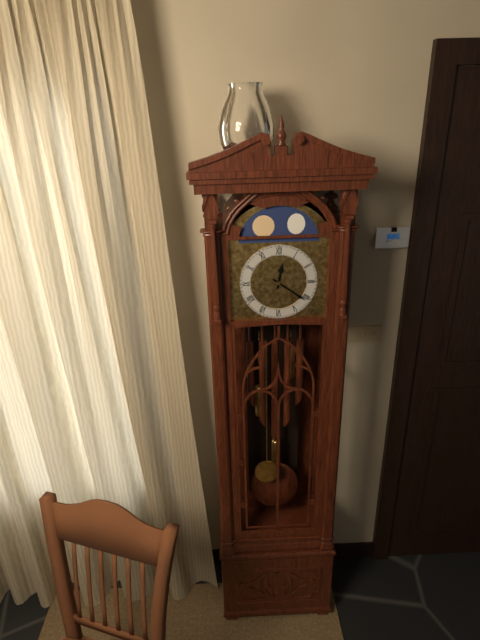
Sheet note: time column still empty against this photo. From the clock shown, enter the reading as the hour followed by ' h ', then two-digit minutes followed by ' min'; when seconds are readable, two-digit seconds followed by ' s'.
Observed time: 12 h 21 min
